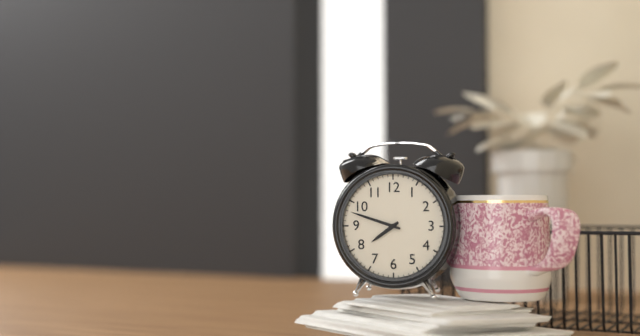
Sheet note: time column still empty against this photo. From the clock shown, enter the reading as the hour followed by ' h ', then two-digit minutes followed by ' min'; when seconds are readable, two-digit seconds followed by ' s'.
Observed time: 7 h 48 min
